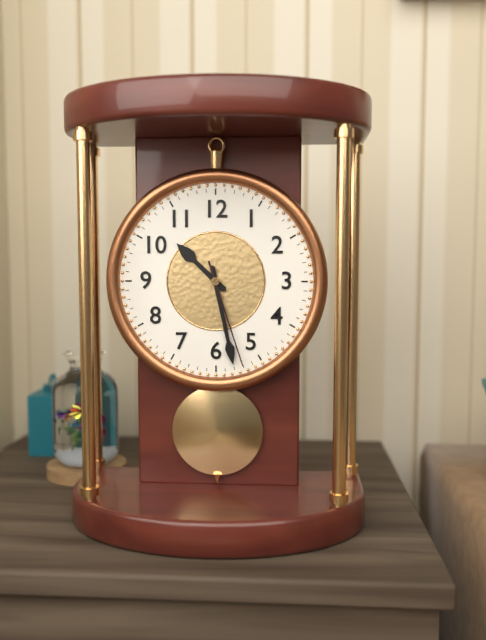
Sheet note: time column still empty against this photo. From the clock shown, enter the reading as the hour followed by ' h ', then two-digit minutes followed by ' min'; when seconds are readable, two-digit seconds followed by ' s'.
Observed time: 10 h 28 min 27 s
